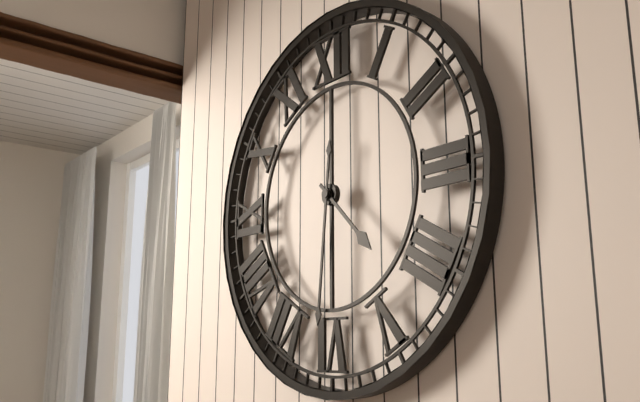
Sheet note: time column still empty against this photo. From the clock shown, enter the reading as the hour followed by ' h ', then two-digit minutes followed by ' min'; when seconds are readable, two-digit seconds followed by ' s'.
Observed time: 4 h 31 min
